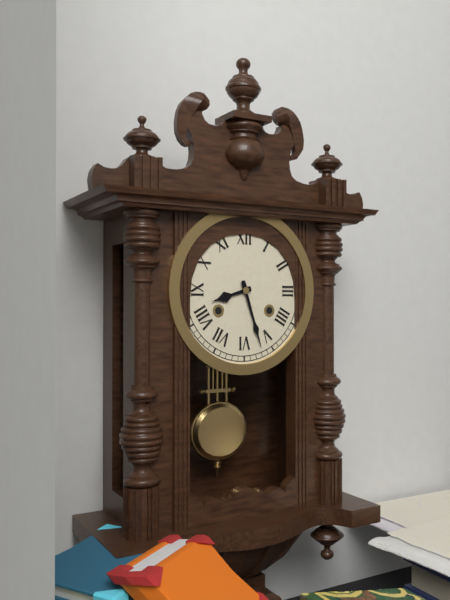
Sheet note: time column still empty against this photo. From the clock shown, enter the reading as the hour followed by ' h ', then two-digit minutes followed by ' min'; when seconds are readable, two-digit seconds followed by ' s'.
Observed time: 8 h 27 min
